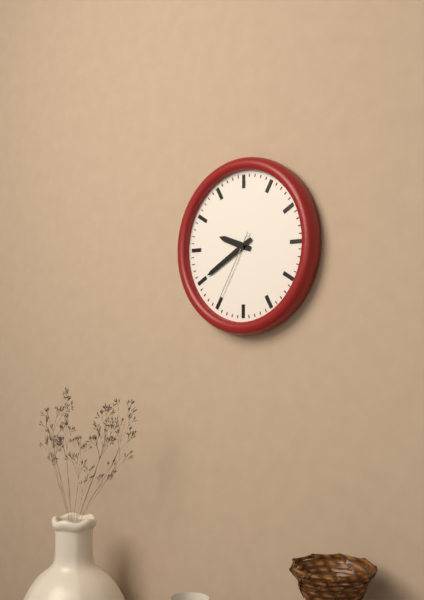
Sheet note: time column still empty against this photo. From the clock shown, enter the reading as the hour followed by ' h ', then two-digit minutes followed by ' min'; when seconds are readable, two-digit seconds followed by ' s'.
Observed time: 9 h 40 min 35 s
